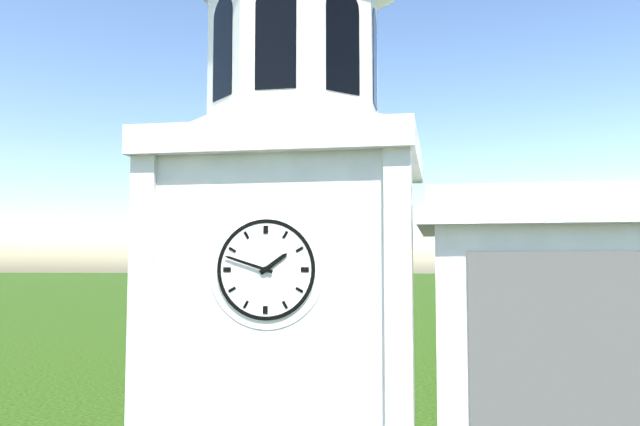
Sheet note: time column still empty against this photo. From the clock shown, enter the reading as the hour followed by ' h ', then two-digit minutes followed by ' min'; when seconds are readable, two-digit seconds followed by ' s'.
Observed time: 1 h 48 min
